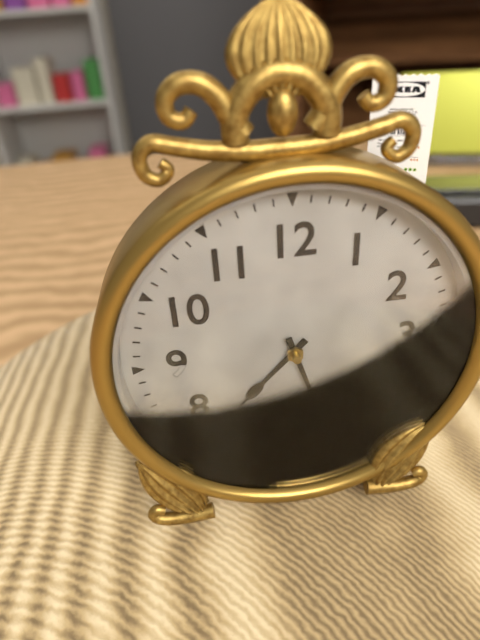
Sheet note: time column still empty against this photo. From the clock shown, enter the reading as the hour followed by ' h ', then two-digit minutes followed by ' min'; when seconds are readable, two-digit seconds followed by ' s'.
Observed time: 7 h 27 min
